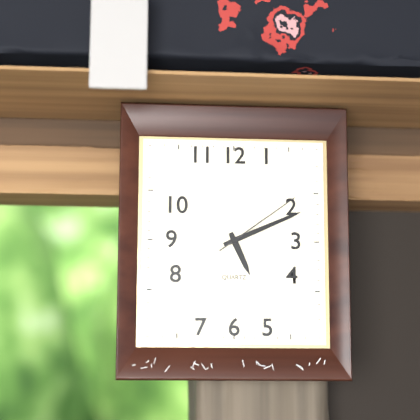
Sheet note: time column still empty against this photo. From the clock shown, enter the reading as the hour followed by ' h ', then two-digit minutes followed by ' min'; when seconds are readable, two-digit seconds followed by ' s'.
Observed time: 5 h 11 min 09 s
